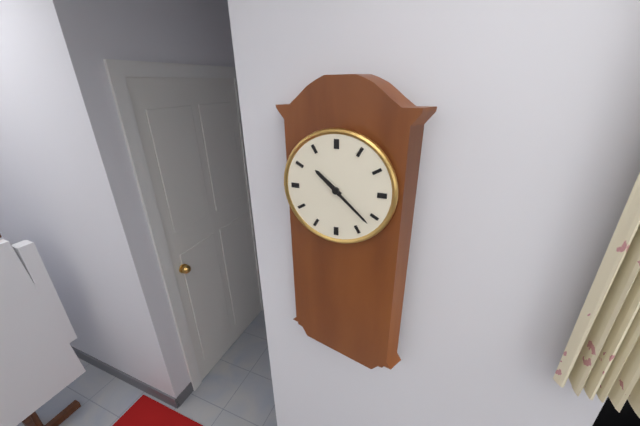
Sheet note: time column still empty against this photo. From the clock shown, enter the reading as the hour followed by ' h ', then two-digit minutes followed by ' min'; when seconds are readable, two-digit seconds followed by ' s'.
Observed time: 10 h 22 min
